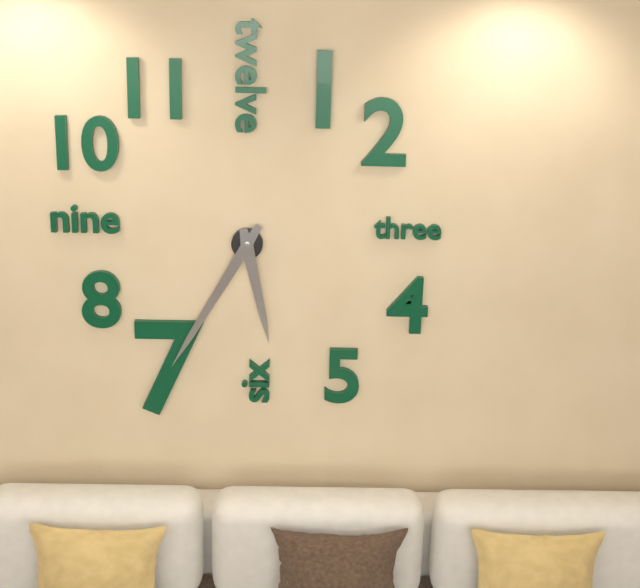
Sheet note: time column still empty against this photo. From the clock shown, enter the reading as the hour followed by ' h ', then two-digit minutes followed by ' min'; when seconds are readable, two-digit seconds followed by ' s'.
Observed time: 5 h 35 min
